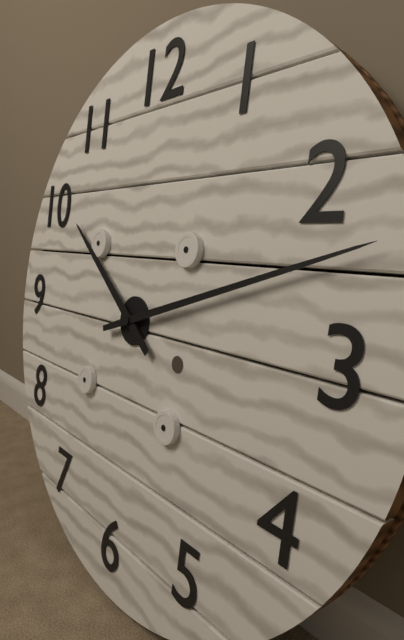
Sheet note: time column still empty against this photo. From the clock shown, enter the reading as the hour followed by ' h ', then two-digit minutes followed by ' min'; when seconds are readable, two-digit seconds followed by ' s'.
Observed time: 10 h 12 min
